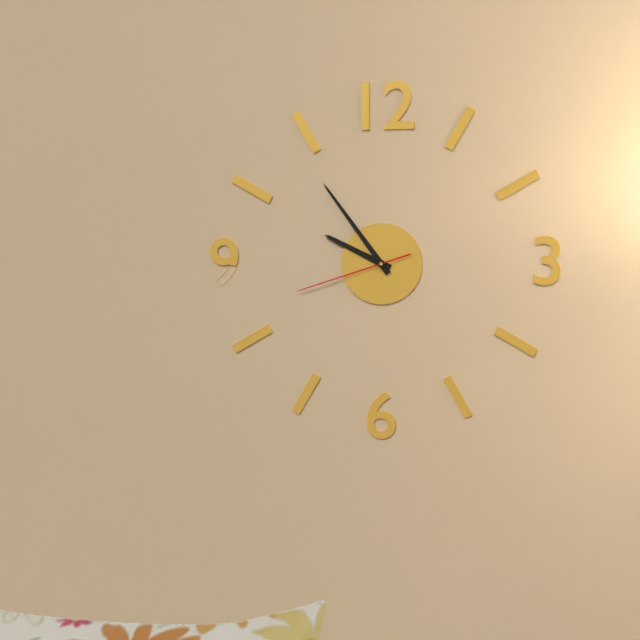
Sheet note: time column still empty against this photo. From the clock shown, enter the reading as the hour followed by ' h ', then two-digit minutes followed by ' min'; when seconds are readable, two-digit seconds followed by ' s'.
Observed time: 9 h 54 min 42 s
